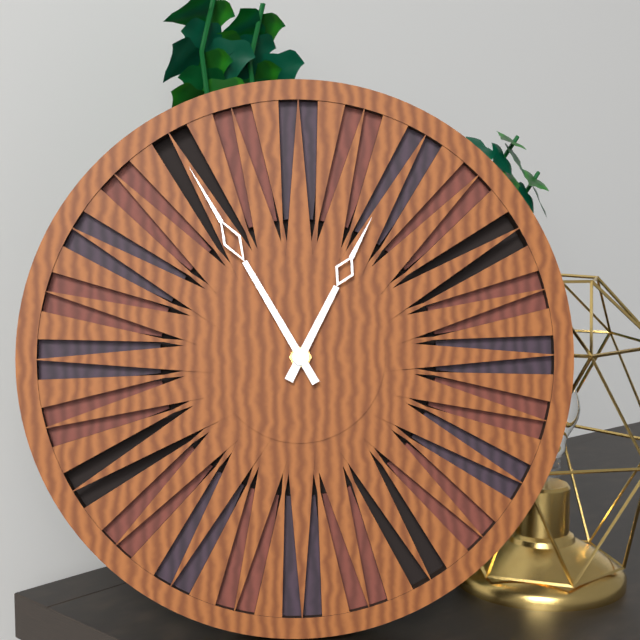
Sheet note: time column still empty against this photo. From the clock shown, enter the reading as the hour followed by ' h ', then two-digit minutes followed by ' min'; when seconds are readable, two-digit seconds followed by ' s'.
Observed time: 12 h 55 min
